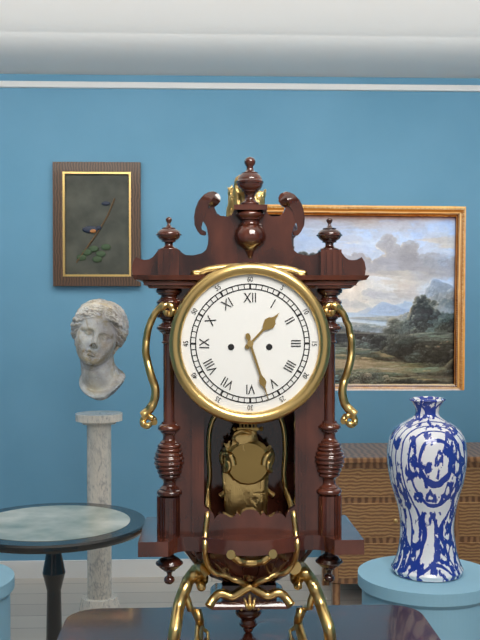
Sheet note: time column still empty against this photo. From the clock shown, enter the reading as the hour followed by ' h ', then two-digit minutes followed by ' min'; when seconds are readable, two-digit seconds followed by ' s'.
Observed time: 1 h 27 min
